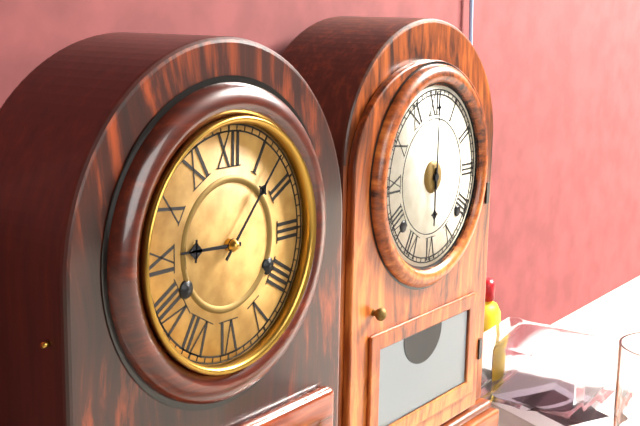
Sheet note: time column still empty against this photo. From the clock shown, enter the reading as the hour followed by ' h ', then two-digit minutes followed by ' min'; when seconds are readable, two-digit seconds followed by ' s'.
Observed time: 9 h 07 min
